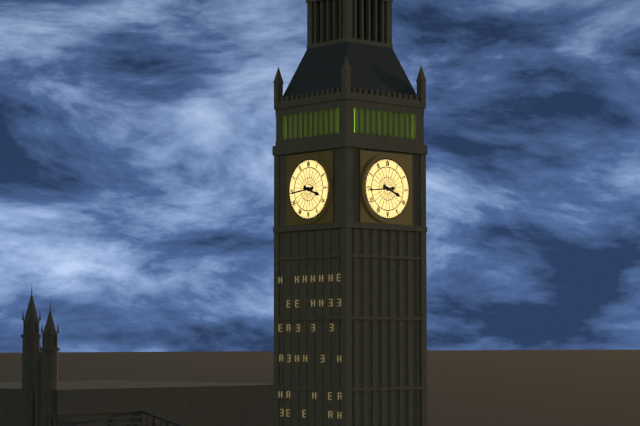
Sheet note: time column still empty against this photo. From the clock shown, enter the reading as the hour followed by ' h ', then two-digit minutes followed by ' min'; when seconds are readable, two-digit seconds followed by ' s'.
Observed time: 3 h 44 min
